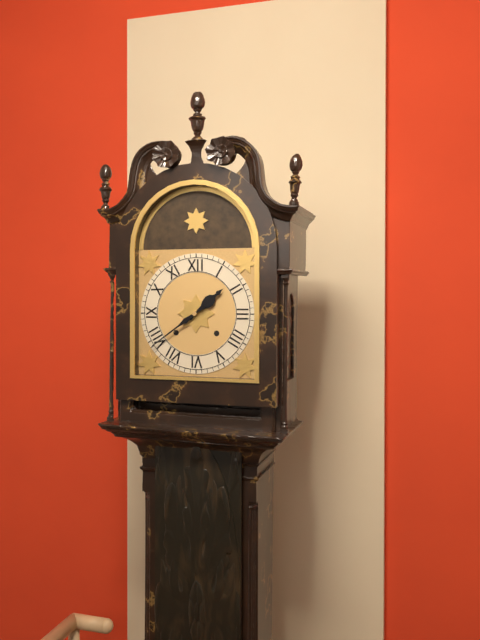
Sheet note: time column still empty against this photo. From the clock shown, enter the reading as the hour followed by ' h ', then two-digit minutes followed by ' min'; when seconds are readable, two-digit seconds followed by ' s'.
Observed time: 1 h 39 min
